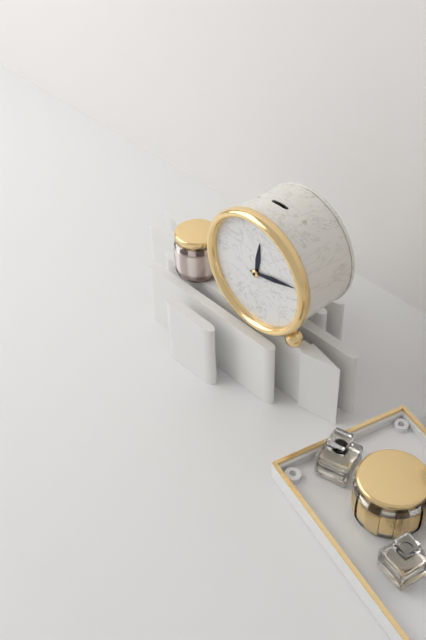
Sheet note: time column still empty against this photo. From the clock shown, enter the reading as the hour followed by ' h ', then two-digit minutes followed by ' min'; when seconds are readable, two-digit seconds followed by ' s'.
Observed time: 12 h 13 min
